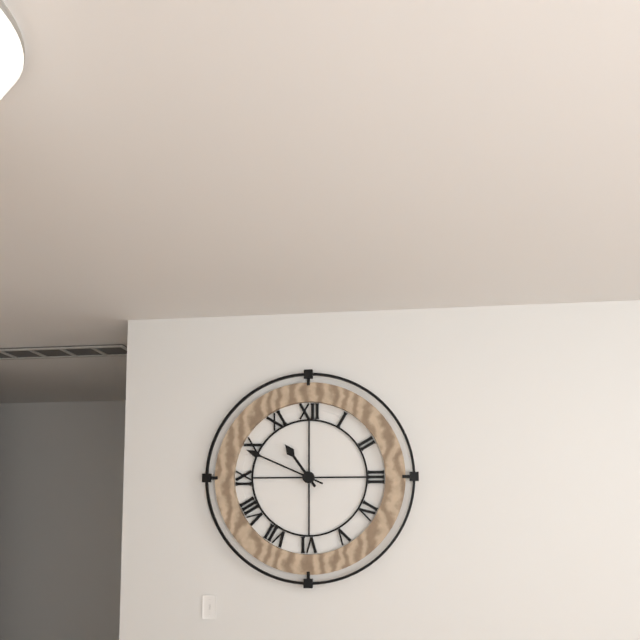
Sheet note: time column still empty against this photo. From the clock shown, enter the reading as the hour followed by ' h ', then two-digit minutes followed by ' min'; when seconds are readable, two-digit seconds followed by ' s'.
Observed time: 10 h 49 min
